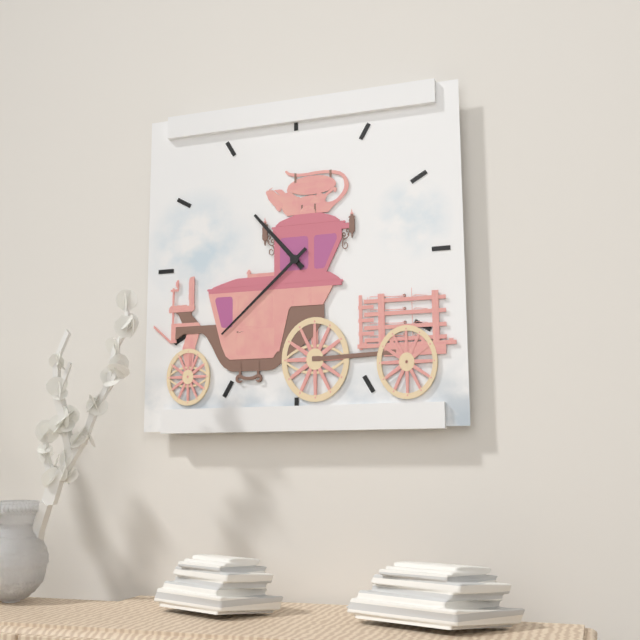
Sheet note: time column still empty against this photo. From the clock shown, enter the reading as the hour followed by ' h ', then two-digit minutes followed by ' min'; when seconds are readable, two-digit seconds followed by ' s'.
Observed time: 10 h 38 min
